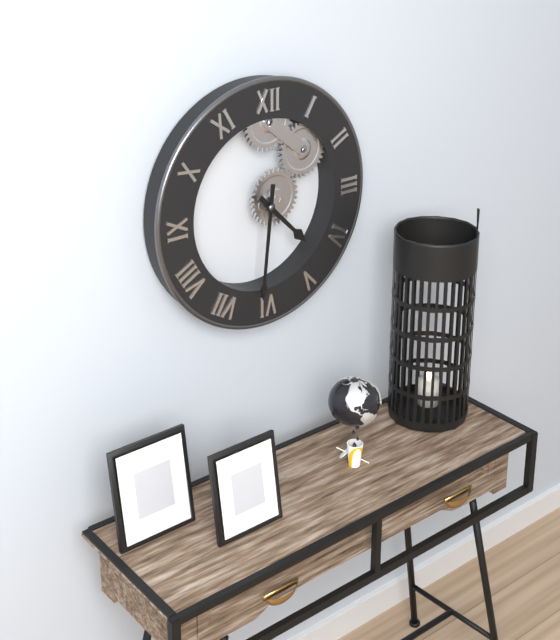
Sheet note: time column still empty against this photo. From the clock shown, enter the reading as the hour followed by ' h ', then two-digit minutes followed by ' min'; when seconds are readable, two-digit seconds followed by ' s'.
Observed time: 4 h 31 min
